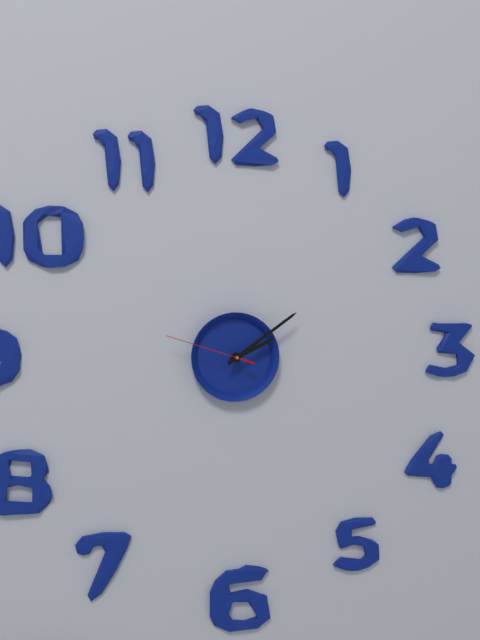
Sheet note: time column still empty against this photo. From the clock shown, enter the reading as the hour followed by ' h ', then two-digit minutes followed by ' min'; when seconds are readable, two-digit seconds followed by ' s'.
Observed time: 2 h 09 min 48 s
